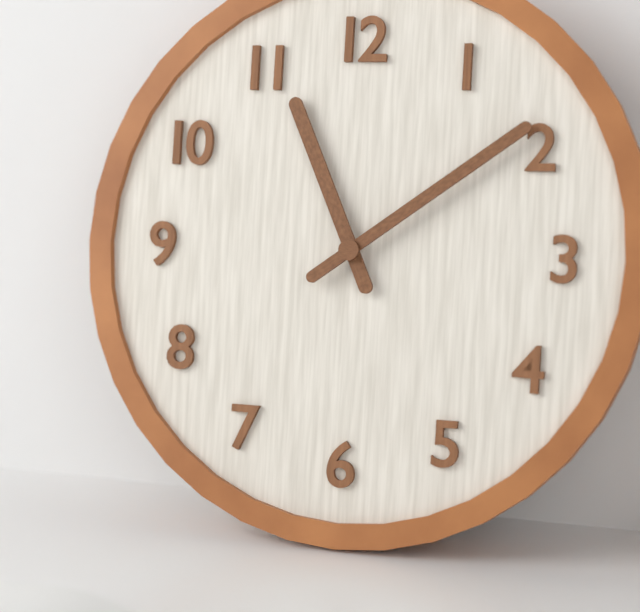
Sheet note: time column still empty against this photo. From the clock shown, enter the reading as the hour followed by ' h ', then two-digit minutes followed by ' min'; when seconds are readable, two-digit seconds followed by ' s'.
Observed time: 11 h 09 min
